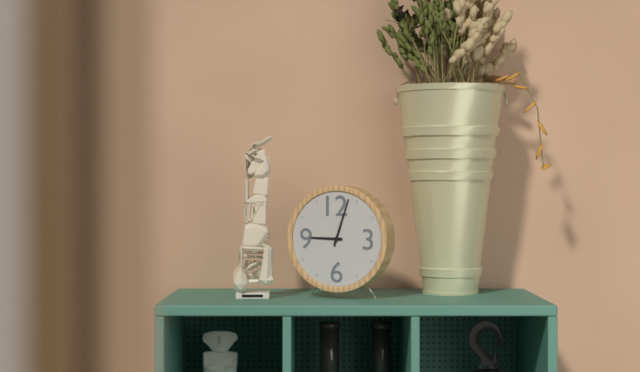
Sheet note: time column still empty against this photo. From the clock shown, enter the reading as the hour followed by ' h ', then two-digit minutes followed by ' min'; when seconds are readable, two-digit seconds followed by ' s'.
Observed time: 9 h 03 min
